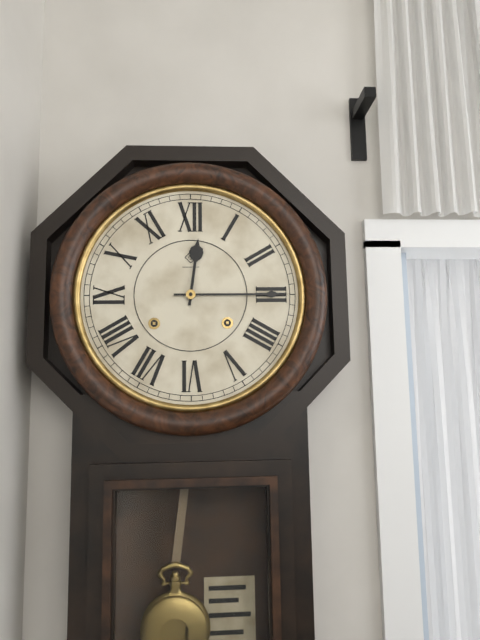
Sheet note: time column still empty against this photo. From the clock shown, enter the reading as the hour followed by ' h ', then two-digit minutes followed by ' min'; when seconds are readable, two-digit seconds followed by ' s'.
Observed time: 12 h 15 min
